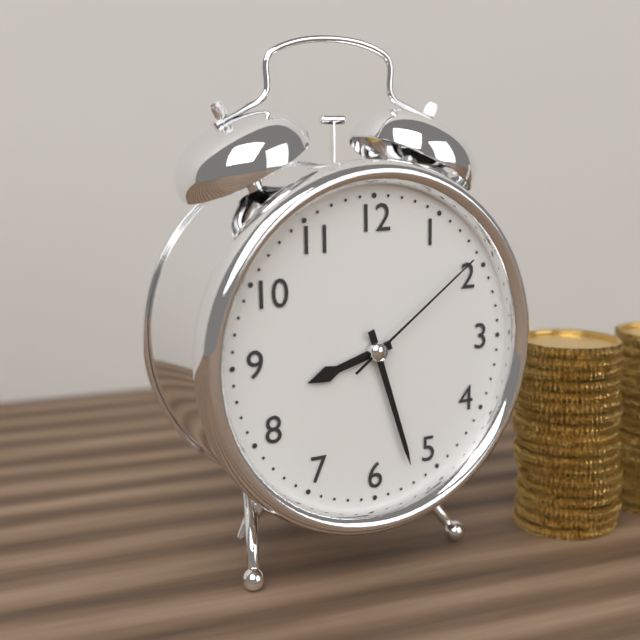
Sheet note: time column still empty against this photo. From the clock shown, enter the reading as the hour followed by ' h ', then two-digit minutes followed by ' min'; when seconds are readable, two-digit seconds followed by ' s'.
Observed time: 8 h 27 min 09 s
